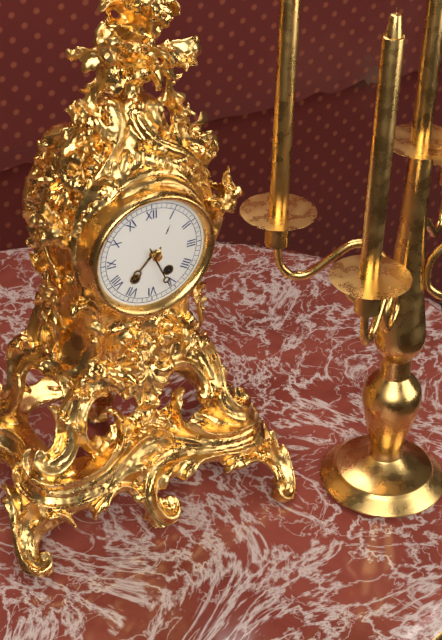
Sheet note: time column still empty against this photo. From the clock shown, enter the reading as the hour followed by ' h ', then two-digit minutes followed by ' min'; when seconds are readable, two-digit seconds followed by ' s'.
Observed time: 7 h 26 min
